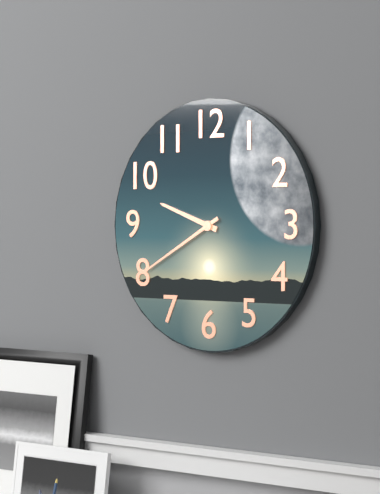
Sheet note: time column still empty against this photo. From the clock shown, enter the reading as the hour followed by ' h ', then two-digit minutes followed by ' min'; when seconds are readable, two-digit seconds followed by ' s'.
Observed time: 9 h 40 min
